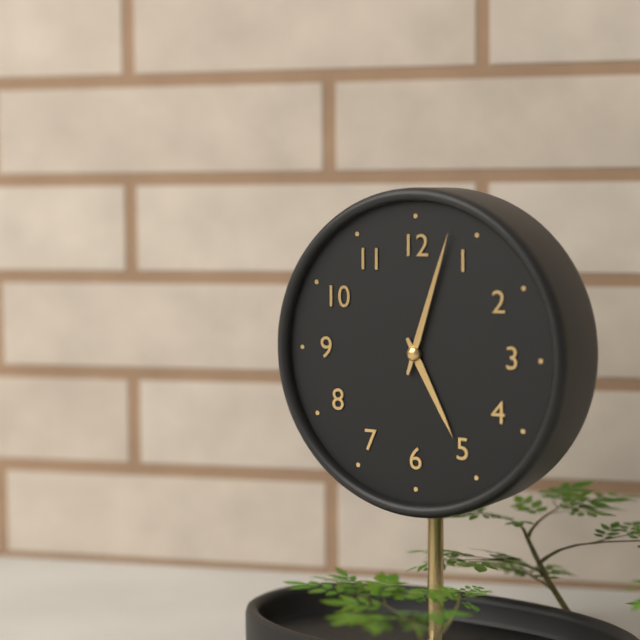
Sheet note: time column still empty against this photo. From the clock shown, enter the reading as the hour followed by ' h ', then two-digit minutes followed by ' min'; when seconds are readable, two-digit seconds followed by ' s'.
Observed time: 5 h 03 min
